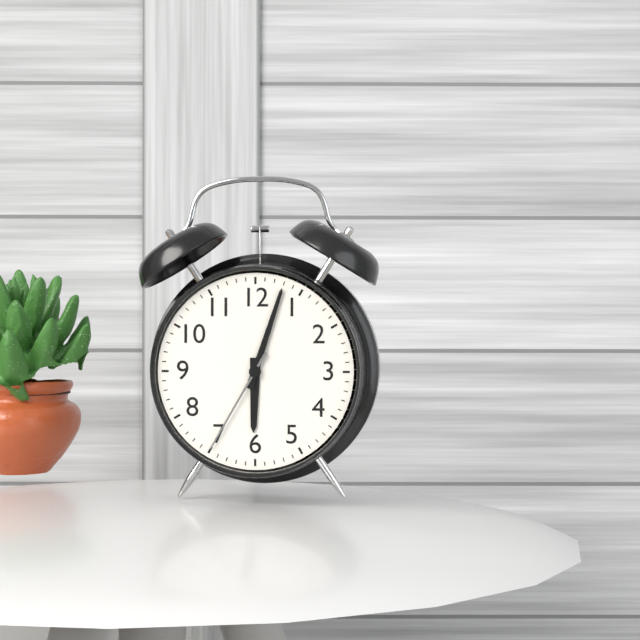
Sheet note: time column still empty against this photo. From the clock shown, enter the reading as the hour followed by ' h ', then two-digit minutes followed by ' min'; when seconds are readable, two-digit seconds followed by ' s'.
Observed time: 6 h 03 min 35 s
